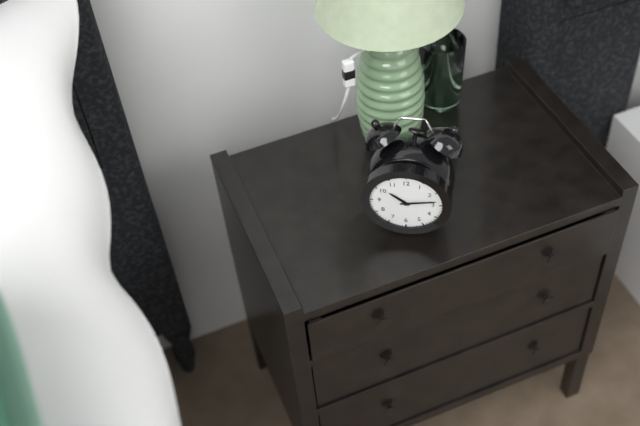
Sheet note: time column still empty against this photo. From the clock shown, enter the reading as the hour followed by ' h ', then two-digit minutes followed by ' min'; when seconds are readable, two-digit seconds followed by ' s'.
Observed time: 10 h 13 min
